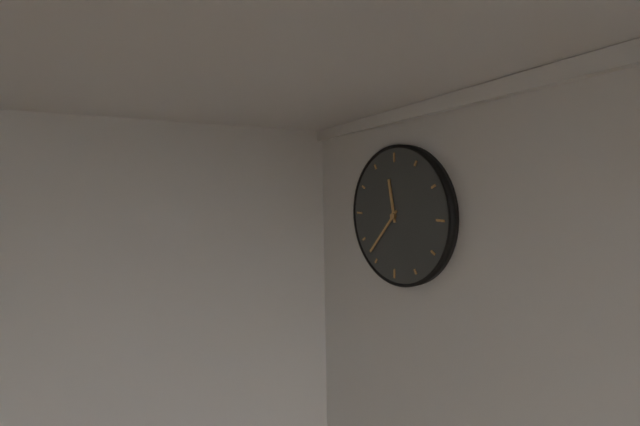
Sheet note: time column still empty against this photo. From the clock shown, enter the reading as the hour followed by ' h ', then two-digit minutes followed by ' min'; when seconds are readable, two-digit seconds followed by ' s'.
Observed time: 11 h 37 min
